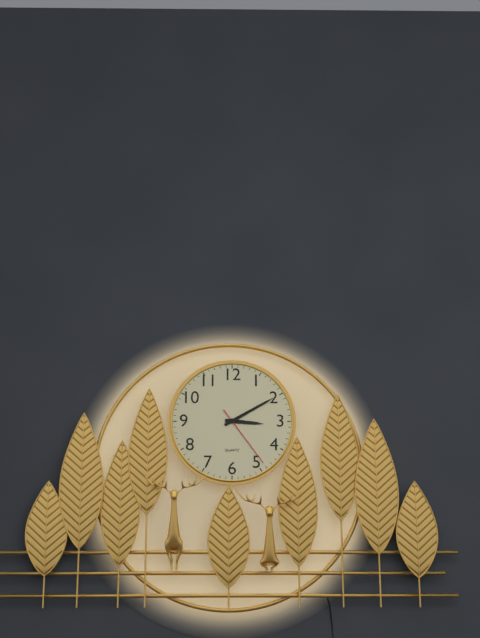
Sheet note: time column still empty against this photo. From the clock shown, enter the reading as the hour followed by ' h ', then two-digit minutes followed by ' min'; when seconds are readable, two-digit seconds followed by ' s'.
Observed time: 3 h 10 min 24 s
